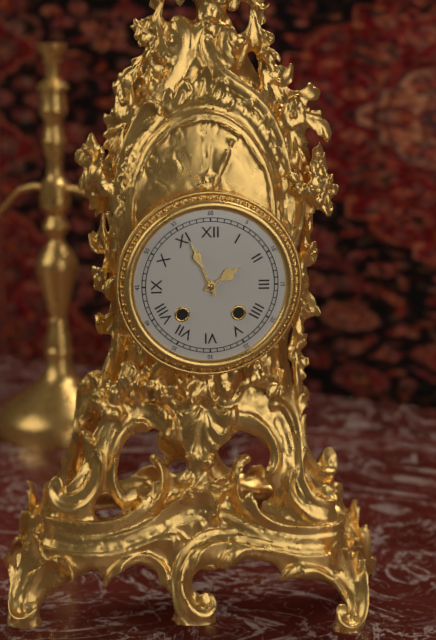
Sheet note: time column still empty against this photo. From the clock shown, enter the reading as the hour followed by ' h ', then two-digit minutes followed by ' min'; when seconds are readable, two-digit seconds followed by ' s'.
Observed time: 1 h 56 min
